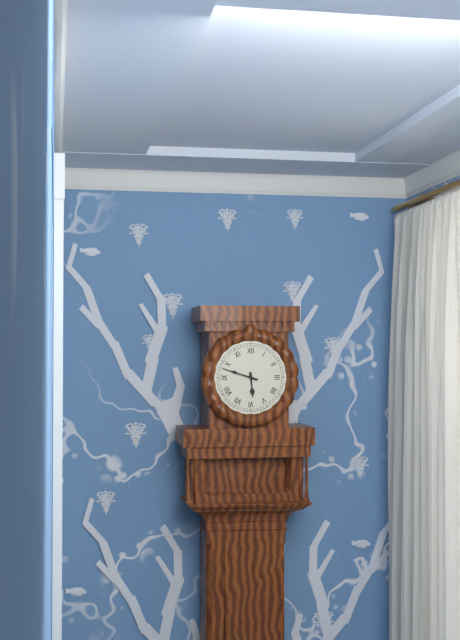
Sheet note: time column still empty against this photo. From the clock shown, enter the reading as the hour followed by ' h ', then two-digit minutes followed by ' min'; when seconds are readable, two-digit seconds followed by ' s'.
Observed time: 5 h 48 min
